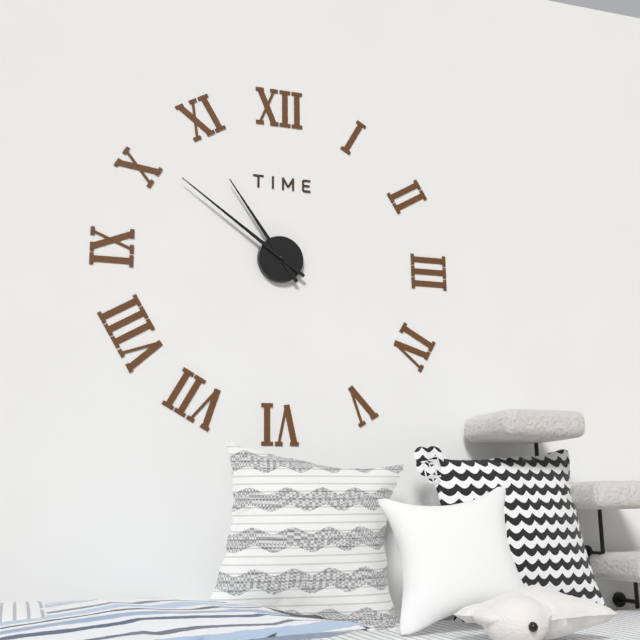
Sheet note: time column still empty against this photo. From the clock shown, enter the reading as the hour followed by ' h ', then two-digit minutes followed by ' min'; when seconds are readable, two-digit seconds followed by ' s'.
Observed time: 10 h 51 min
